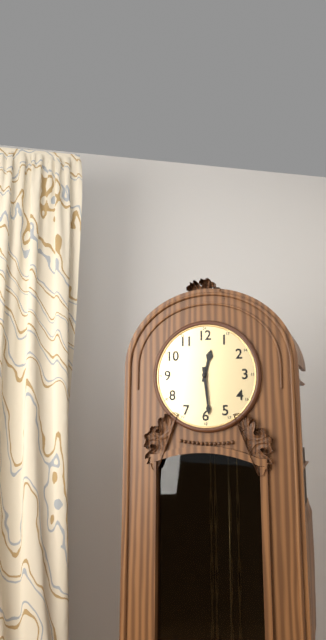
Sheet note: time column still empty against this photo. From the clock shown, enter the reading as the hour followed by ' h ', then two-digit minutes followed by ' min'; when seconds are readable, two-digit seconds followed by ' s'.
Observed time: 12 h 29 min
